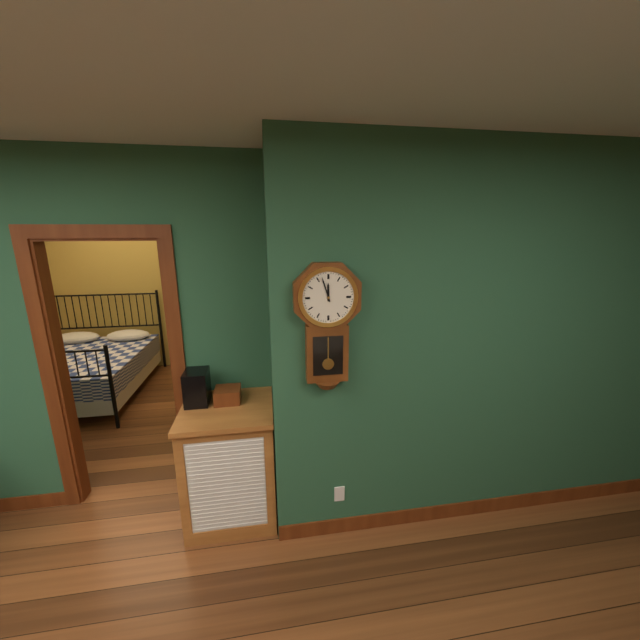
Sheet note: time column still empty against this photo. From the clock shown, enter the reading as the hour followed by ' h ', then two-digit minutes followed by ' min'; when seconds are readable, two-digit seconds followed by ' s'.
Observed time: 11 h 57 min
